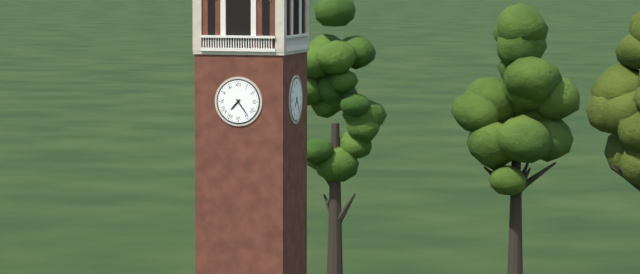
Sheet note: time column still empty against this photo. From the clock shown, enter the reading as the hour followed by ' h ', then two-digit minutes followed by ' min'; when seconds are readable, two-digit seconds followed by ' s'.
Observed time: 7 h 24 min
